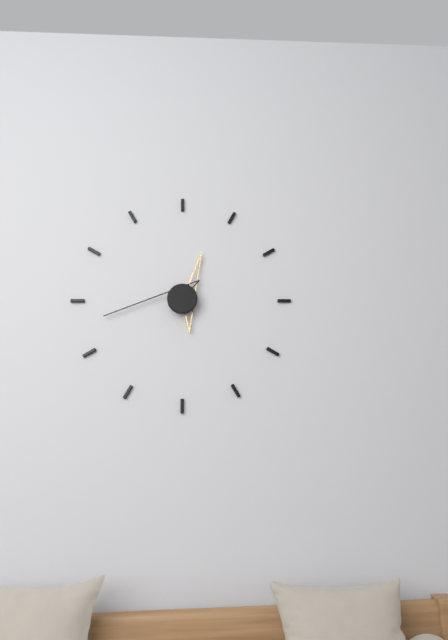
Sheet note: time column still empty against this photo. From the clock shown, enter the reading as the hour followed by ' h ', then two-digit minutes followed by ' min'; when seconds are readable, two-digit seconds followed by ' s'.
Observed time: 12 h 43 min
